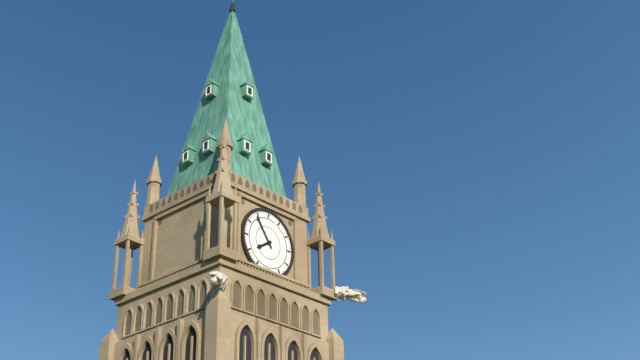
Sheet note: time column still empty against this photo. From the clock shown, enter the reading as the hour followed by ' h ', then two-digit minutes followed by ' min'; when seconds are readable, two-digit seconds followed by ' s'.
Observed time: 7 h 54 min
